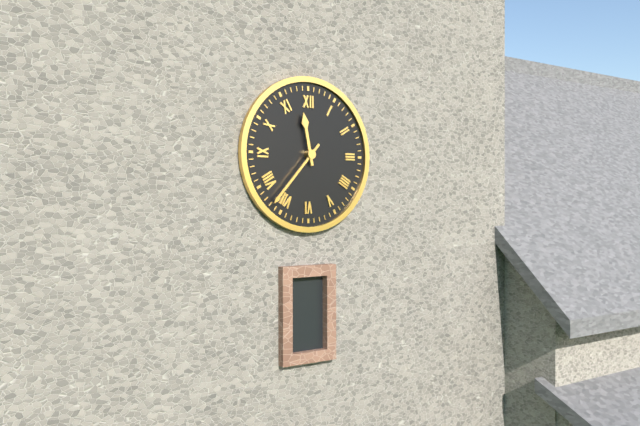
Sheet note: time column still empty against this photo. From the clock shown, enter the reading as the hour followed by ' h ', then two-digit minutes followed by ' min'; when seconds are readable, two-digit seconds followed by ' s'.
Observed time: 11 h 37 min
